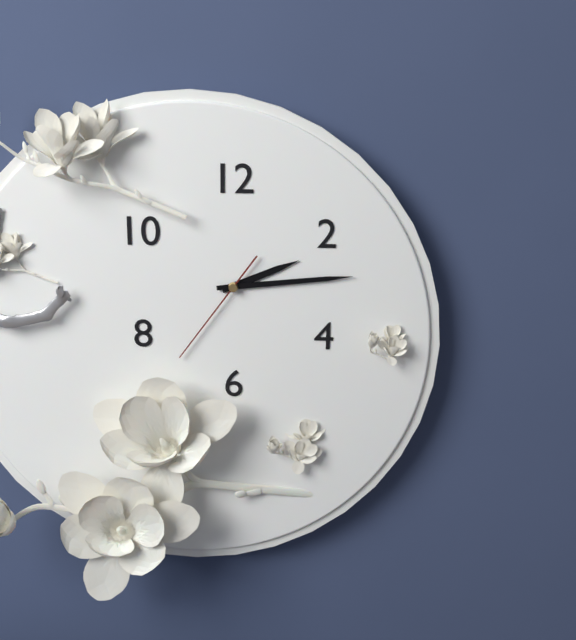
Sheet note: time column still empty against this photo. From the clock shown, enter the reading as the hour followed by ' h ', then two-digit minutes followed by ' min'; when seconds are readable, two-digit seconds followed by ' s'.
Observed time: 2 h 14 min 36 s
